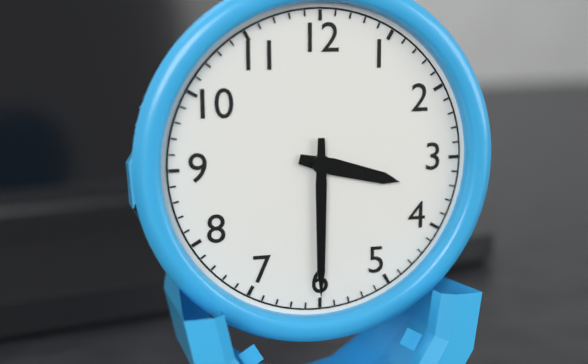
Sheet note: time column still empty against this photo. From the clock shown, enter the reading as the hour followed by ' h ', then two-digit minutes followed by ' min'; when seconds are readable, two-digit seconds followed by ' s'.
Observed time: 3 h 30 min
